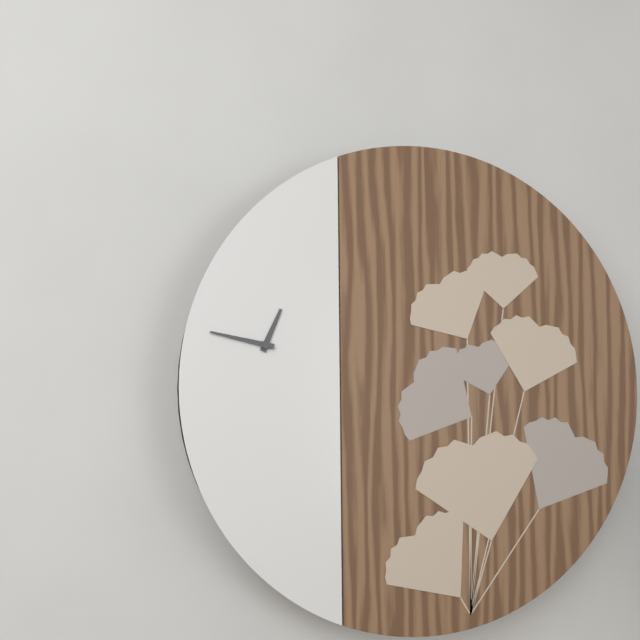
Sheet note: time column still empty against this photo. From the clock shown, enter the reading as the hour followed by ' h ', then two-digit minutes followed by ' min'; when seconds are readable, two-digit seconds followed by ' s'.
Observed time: 12 h 47 min
